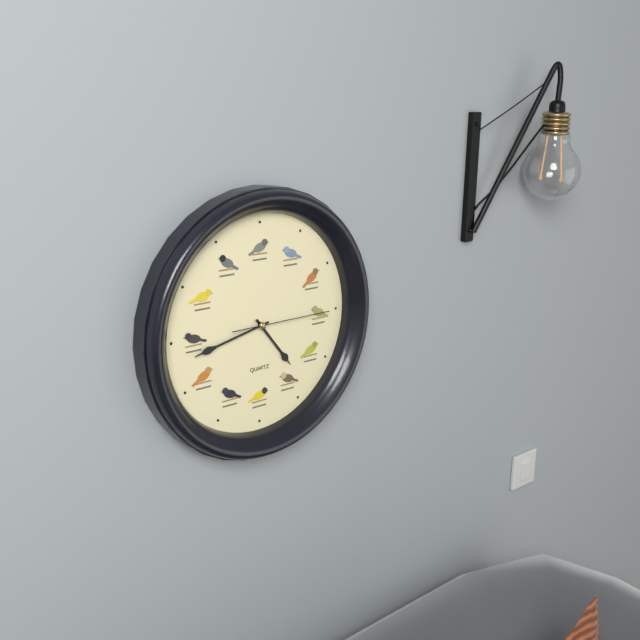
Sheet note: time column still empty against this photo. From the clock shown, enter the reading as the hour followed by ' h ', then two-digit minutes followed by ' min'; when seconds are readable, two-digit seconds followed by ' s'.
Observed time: 4 h 43 min 15 s
